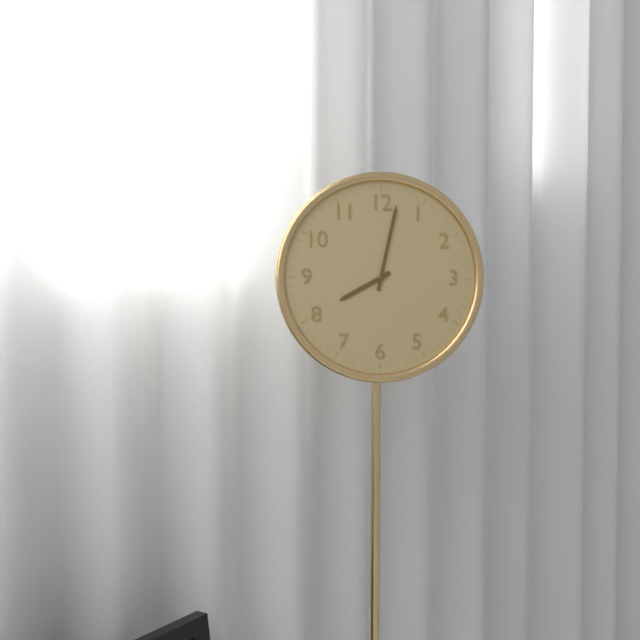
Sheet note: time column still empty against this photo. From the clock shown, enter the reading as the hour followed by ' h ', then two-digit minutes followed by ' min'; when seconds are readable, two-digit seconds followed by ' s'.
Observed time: 8 h 02 min
